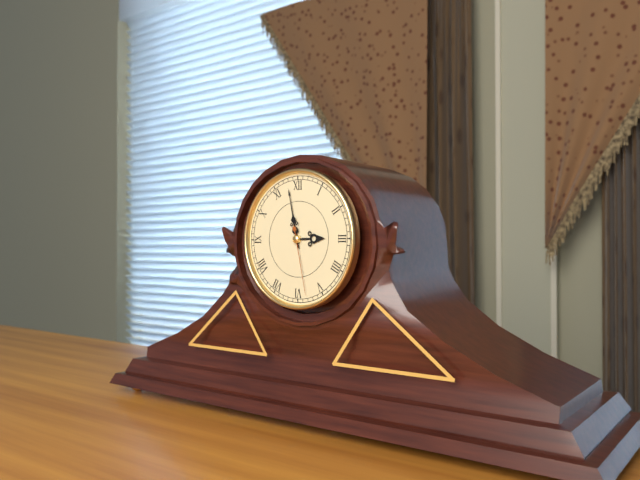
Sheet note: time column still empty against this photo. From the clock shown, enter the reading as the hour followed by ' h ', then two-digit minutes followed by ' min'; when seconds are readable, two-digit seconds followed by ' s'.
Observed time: 2 h 58 min 28 s
